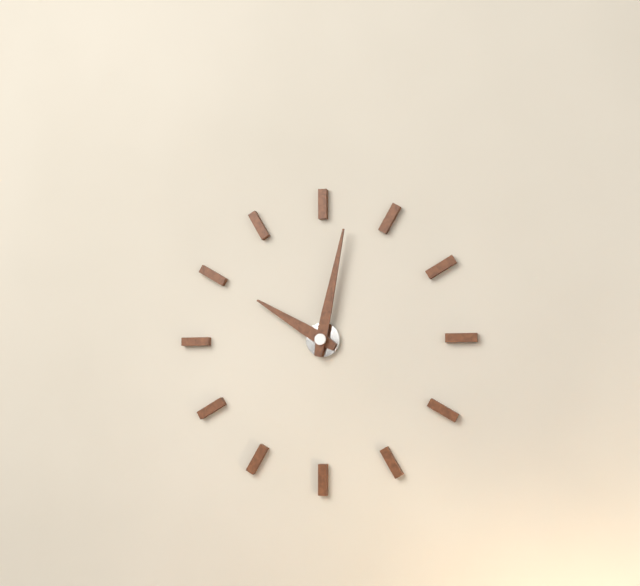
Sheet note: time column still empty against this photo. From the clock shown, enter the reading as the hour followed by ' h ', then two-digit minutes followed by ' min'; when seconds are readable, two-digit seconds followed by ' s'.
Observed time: 10 h 02 min
